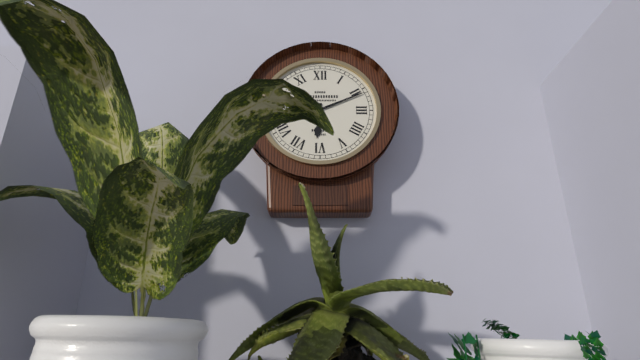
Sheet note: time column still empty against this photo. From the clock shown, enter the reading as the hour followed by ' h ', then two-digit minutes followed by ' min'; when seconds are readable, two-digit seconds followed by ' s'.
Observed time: 6 h 11 min
